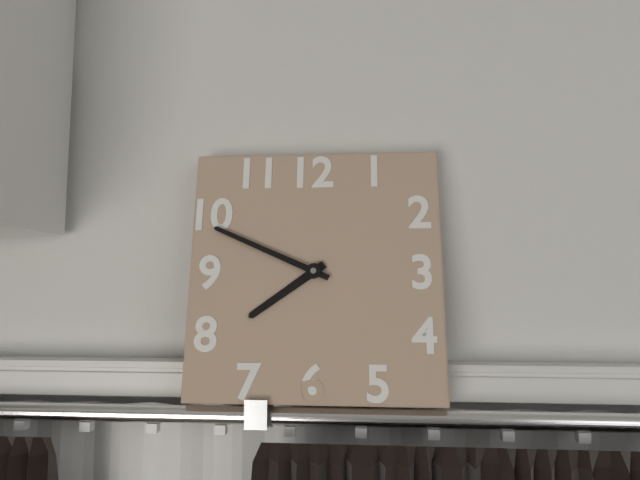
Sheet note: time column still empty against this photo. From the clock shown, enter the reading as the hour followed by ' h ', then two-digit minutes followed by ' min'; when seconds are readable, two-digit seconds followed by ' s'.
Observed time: 7 h 49 min
